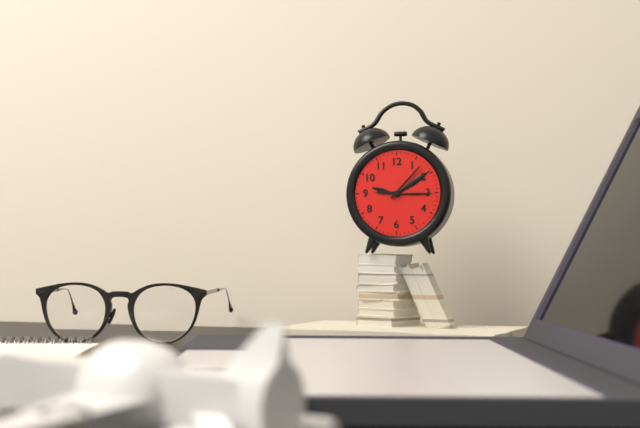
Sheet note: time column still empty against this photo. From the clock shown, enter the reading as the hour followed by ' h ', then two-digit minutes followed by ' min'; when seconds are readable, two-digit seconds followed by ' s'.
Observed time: 9 h 07 min
